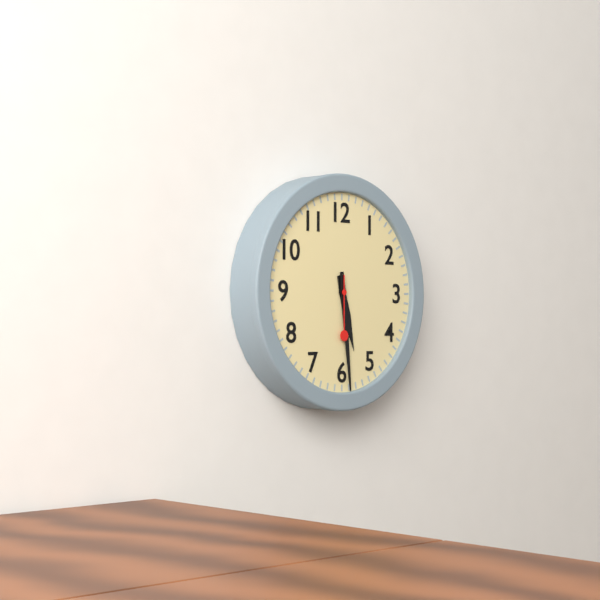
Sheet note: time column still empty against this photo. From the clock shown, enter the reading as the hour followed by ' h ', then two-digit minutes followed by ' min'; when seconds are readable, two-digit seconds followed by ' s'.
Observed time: 5 h 29 min 30 s
